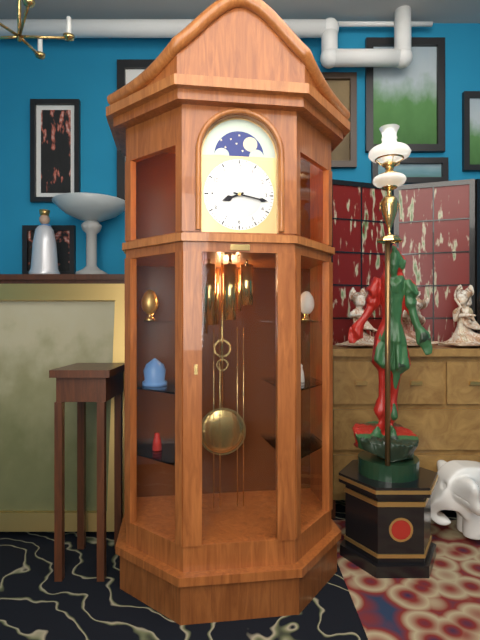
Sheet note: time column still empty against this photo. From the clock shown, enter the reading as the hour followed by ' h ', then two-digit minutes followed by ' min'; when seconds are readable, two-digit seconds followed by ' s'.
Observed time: 8 h 17 min
